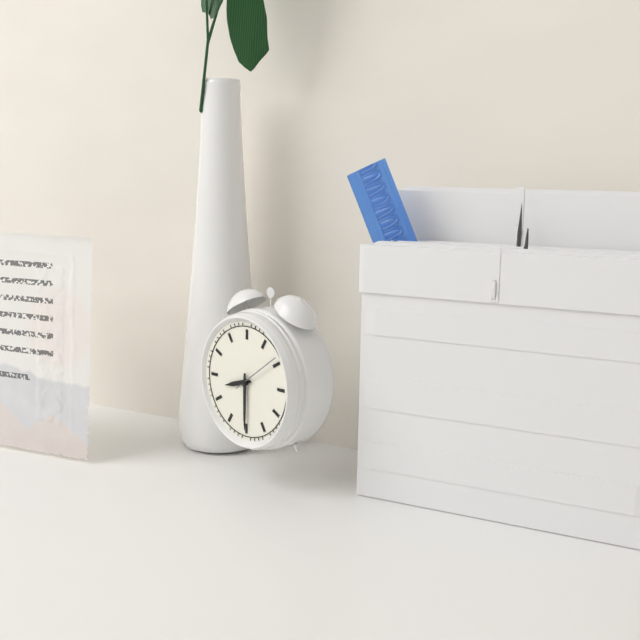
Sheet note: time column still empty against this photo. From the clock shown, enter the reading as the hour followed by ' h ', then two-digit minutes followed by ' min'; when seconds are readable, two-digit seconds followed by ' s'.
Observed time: 8 h 30 min
